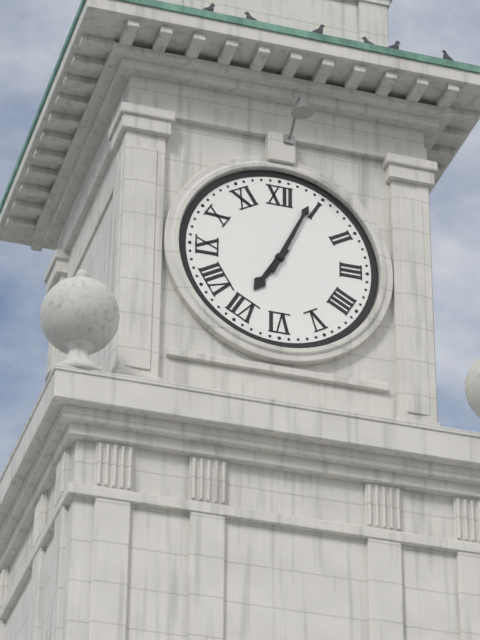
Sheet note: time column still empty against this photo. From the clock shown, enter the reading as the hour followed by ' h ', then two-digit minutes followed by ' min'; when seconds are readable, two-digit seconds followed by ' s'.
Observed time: 7 h 04 min
